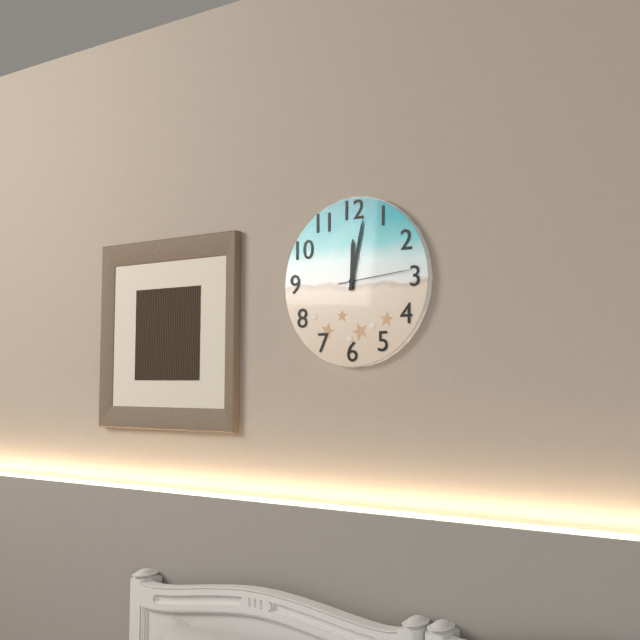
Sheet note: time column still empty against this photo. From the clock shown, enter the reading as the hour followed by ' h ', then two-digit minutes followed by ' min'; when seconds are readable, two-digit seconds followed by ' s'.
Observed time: 12 h 02 min 14 s
